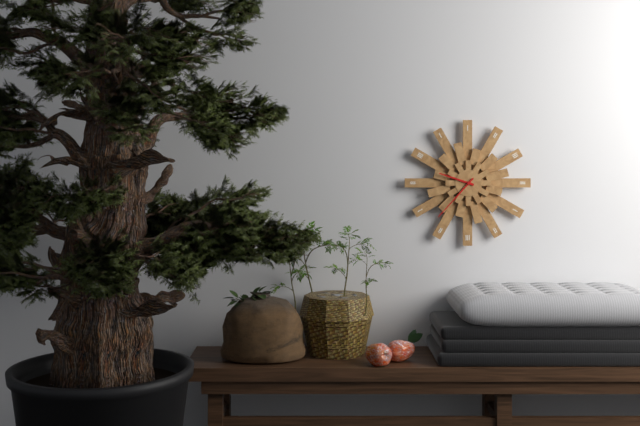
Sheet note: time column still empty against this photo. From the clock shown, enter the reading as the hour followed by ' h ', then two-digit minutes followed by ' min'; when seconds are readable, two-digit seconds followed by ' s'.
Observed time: 9 h 37 min
